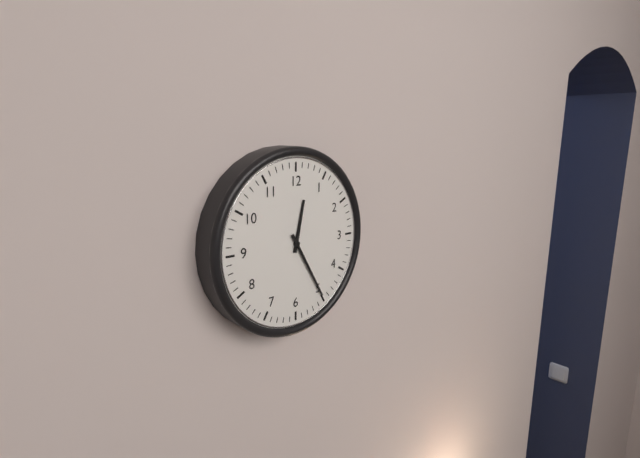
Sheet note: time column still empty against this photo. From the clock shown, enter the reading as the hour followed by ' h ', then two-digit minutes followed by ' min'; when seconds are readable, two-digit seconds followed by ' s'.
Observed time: 12 h 25 min
